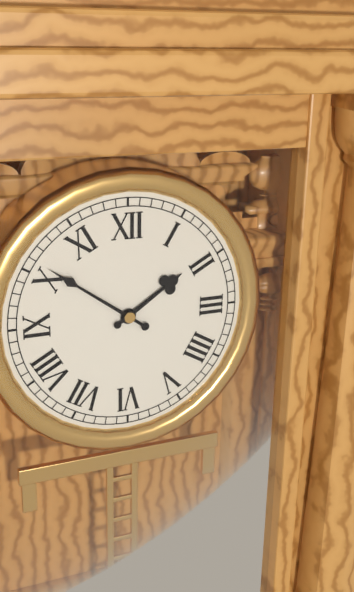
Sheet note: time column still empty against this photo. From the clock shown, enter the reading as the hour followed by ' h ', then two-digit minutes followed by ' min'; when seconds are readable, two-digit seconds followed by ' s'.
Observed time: 1 h 51 min
